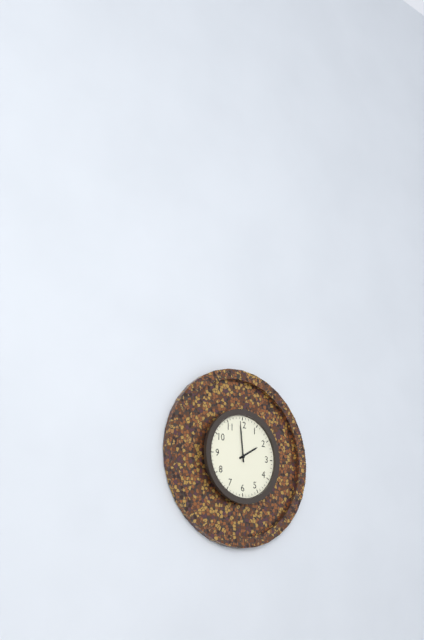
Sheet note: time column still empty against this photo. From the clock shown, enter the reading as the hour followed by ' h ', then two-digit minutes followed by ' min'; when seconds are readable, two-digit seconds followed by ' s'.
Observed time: 1 h 59 min
